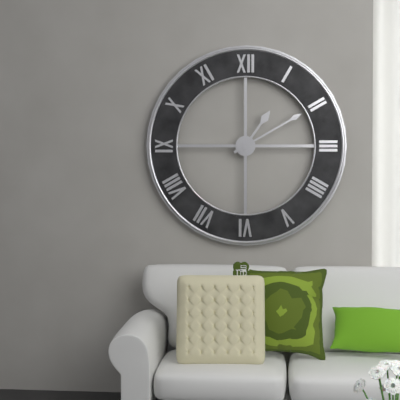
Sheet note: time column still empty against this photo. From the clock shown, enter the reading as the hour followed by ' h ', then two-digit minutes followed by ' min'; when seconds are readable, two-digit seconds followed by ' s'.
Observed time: 1 h 10 min
